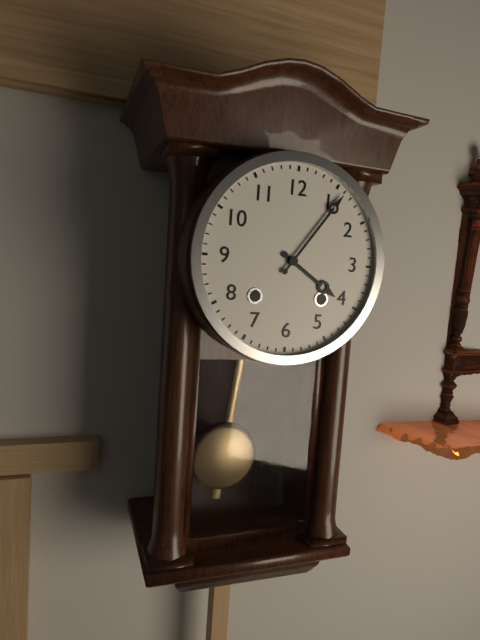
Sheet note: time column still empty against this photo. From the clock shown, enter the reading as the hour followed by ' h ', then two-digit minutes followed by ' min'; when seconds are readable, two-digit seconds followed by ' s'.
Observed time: 4 h 06 min
